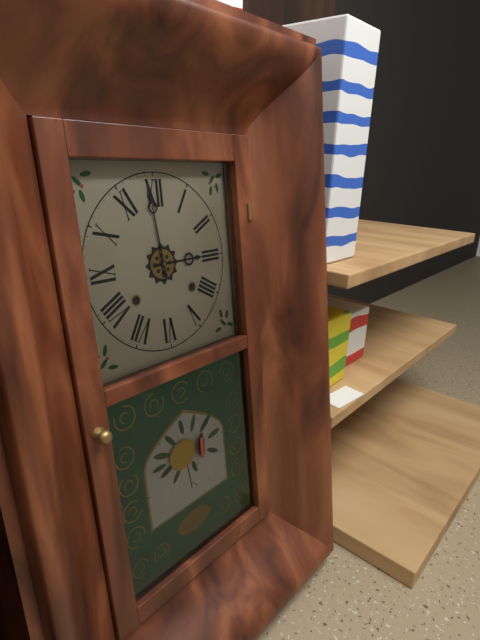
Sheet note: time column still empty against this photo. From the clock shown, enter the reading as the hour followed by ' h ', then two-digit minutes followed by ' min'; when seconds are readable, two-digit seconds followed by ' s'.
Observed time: 2 h 59 min
